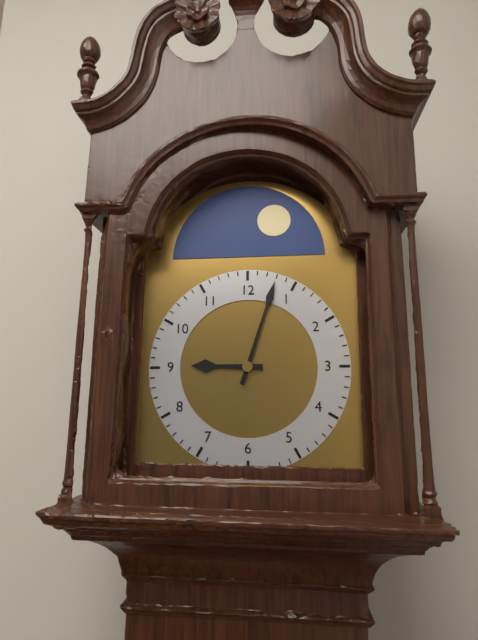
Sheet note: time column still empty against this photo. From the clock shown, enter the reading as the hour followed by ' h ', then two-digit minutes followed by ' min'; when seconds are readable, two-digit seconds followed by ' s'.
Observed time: 9 h 03 min
